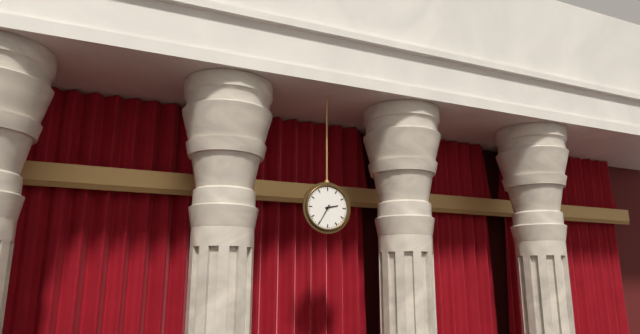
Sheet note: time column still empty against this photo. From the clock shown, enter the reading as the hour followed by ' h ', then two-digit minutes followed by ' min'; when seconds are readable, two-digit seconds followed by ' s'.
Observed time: 2 h 35 min
